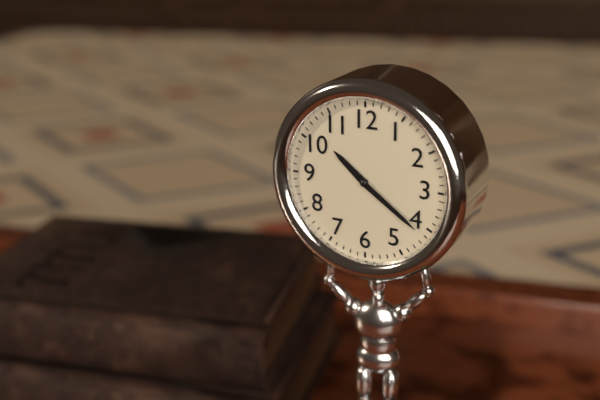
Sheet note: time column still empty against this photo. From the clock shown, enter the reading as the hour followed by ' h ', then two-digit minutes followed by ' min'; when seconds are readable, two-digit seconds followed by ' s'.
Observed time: 10 h 21 min
